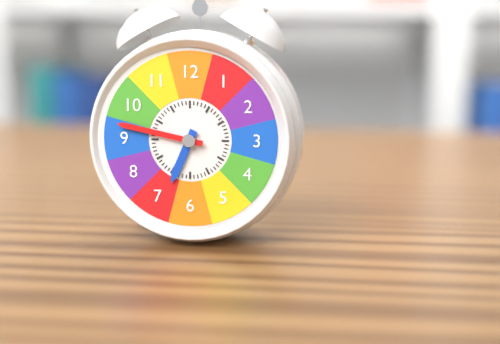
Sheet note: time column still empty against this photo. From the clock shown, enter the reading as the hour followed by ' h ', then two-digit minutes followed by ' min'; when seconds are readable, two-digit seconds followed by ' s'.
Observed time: 6 h 47 min
